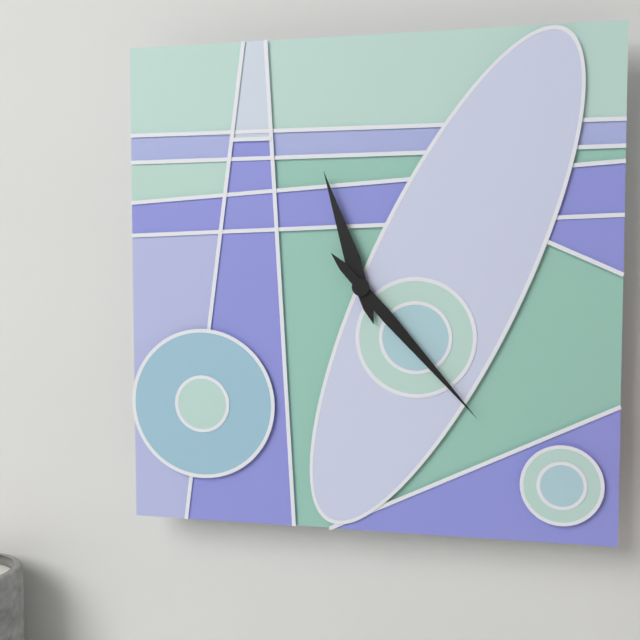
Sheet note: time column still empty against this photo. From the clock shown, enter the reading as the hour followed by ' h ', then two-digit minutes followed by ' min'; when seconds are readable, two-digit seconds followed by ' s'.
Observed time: 11 h 23 min
